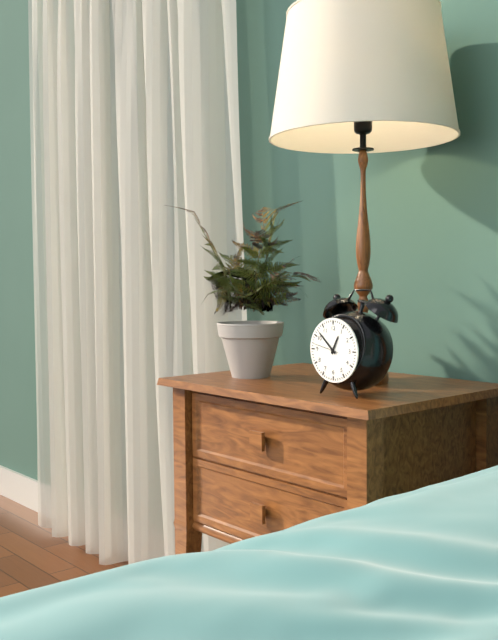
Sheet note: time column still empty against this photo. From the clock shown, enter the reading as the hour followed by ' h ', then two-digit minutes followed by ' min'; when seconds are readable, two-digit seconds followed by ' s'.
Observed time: 12 h 52 min
